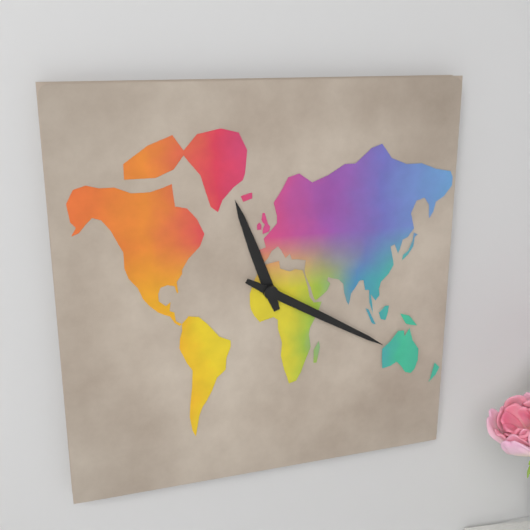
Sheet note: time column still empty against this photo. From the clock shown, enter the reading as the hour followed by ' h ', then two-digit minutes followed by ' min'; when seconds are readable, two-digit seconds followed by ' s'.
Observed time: 11 h 20 min
